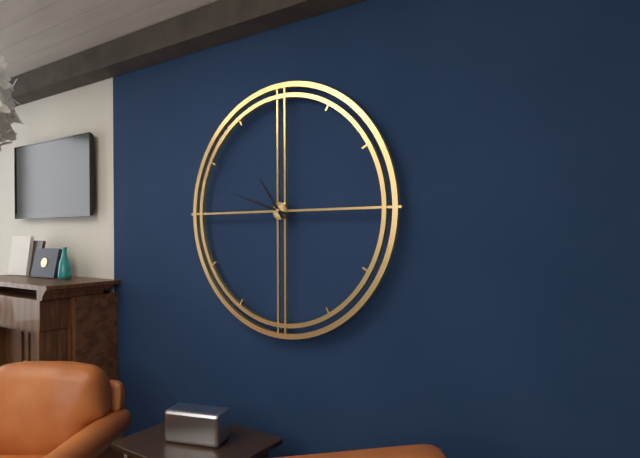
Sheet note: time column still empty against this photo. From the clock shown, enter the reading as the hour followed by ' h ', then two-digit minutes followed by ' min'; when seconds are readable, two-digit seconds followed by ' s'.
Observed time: 10 h 48 min
